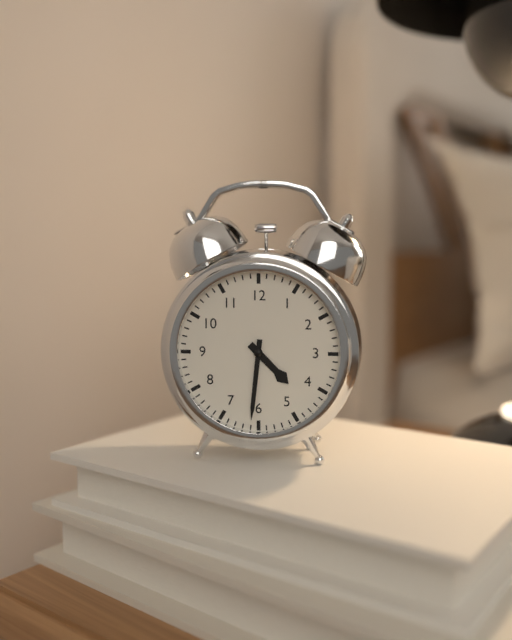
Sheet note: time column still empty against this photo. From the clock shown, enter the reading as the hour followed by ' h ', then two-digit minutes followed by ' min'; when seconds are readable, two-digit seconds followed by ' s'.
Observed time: 4 h 31 min
